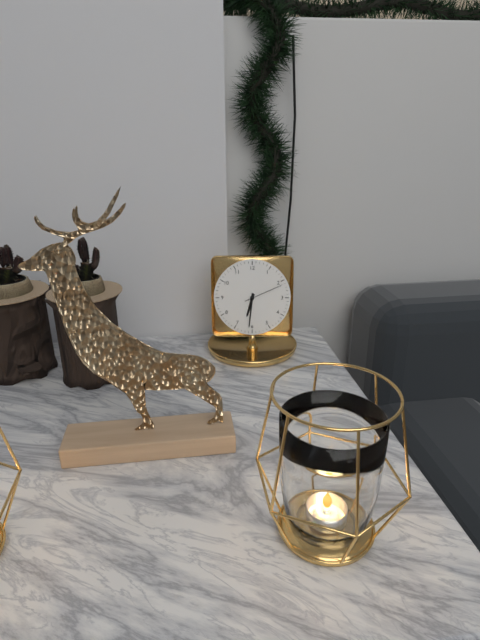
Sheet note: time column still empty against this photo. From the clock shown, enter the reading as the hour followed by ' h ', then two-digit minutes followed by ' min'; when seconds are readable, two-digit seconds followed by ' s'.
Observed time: 6 h 31 min
